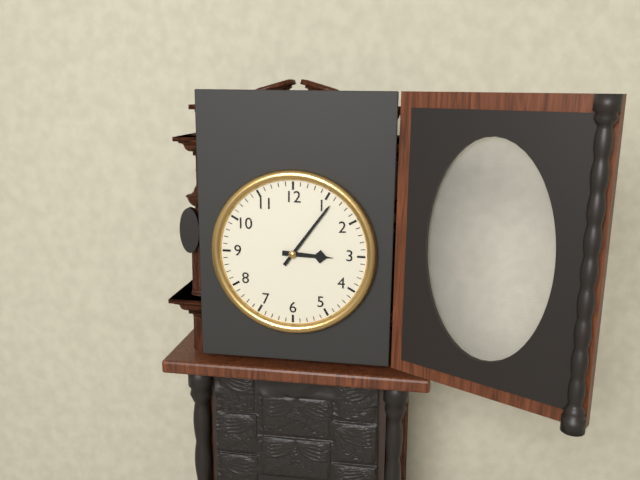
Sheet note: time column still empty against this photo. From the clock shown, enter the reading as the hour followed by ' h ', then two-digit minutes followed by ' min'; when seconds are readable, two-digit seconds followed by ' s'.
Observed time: 3 h 06 min
